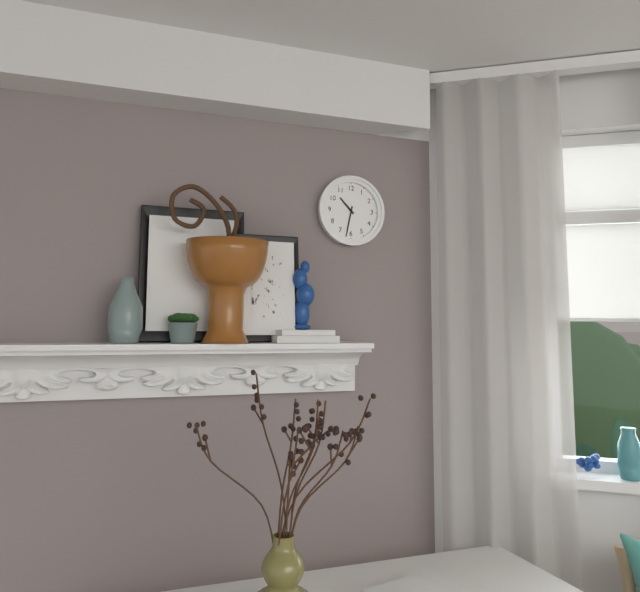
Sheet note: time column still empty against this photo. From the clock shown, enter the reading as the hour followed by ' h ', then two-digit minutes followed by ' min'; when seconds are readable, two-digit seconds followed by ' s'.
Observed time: 10 h 32 min
